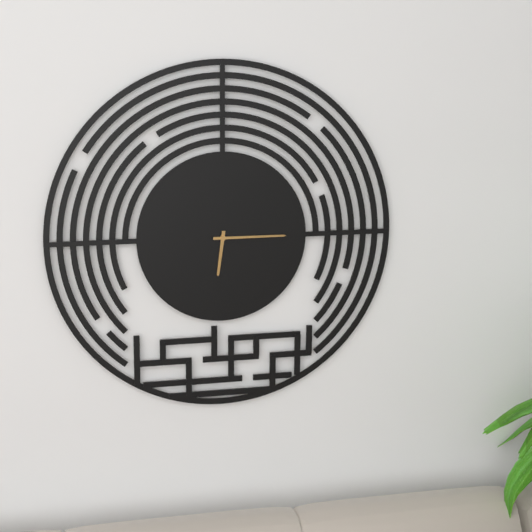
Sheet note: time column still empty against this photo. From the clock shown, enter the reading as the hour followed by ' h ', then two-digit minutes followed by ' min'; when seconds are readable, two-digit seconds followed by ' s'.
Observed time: 6 h 15 min
